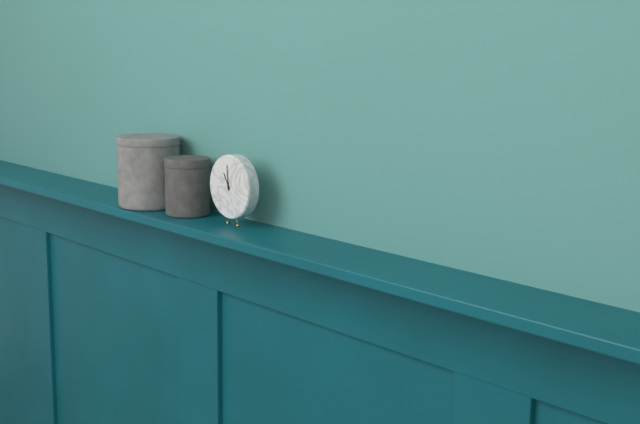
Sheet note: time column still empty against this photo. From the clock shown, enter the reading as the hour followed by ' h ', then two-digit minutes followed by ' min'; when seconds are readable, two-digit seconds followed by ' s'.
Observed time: 10 h 59 min
